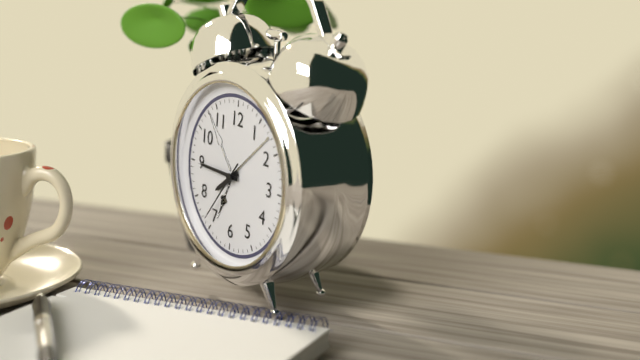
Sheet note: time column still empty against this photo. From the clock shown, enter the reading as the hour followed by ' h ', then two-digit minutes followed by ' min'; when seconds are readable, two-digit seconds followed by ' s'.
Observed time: 7 h 45 min 36 s
